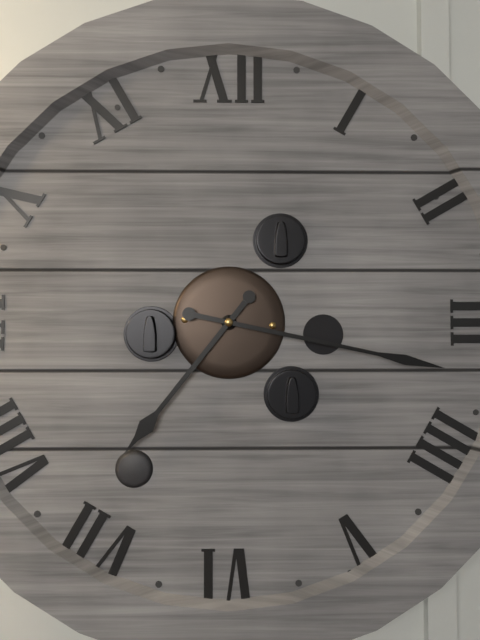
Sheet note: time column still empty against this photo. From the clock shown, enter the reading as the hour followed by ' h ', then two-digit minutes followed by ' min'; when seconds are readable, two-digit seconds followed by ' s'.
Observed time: 7 h 17 min
